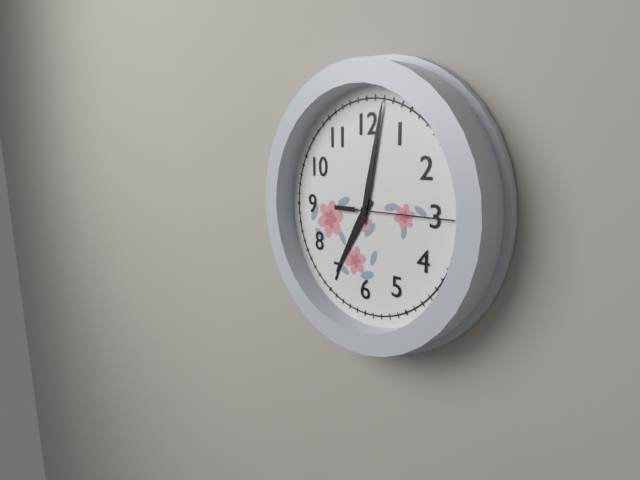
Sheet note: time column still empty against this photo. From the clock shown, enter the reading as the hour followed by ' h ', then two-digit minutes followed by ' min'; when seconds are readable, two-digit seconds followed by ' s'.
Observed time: 7 h 02 min 15 s
